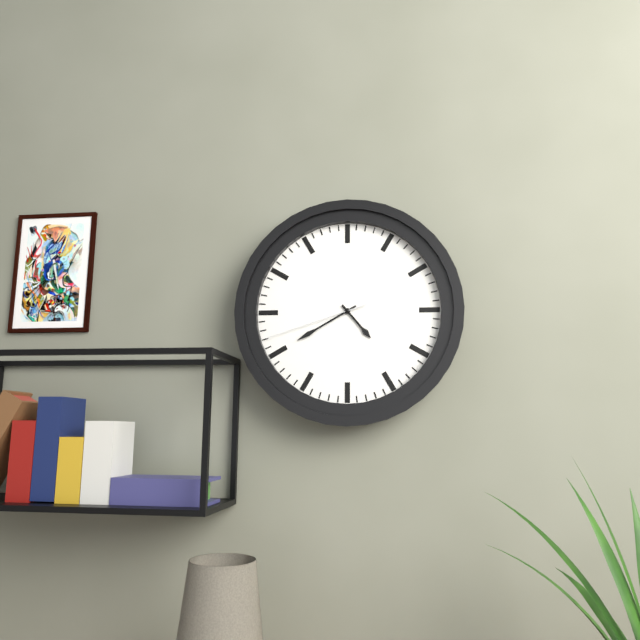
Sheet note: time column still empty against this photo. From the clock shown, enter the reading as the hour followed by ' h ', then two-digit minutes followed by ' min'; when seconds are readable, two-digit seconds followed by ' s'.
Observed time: 4 h 40 min 42 s
